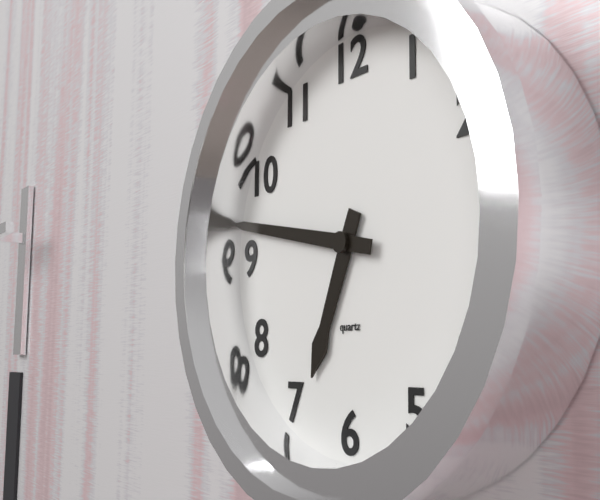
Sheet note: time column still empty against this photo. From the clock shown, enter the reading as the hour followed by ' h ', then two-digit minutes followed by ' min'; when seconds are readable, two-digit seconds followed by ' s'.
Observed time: 6 h 47 min
